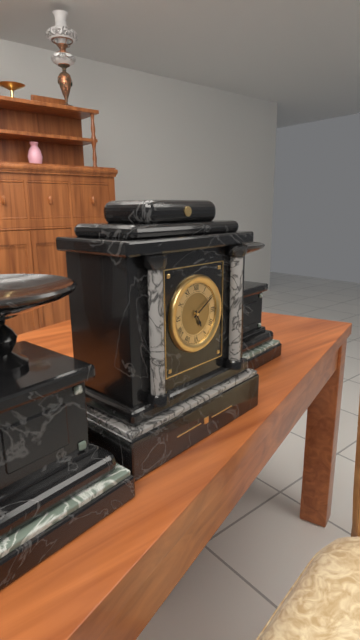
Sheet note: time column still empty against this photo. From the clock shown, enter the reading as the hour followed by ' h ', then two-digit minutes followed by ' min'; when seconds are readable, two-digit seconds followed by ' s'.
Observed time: 5 h 10 min
